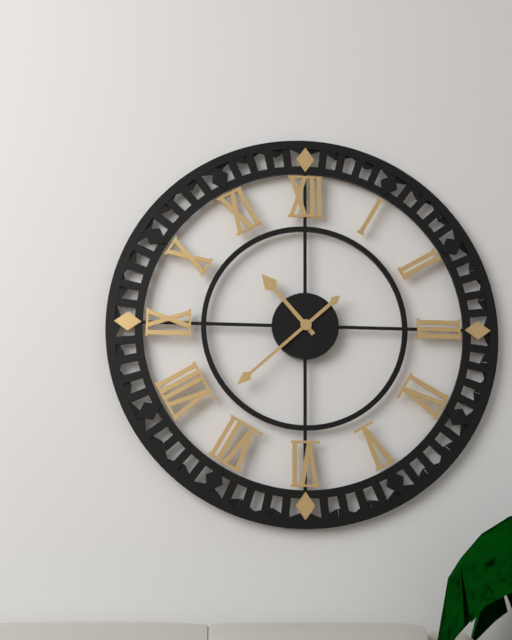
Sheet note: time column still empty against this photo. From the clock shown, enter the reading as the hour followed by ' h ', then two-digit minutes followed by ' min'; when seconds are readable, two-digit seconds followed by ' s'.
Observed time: 10 h 38 min
